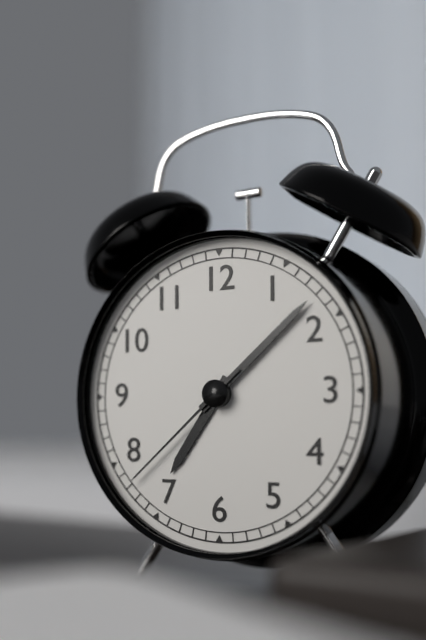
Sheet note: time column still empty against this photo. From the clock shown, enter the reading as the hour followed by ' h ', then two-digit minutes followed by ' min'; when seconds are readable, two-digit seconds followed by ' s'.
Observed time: 7 h 08 min 38 s
